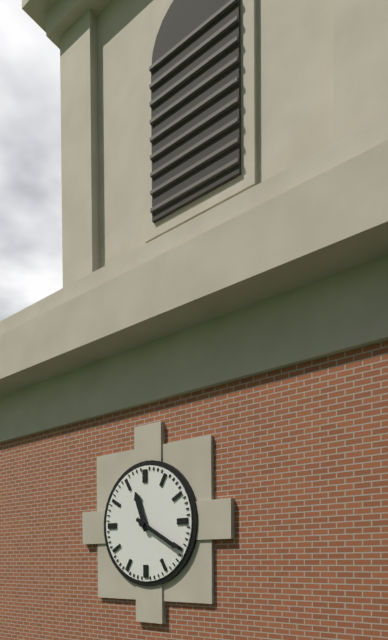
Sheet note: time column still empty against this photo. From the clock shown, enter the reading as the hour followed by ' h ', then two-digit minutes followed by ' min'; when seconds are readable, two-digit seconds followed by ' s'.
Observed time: 11 h 20 min
